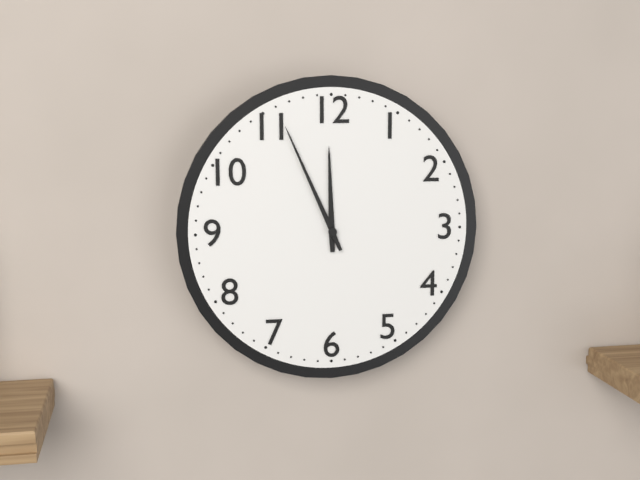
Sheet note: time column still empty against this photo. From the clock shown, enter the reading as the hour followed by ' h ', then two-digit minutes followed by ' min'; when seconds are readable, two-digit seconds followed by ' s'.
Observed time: 11 h 56 min
